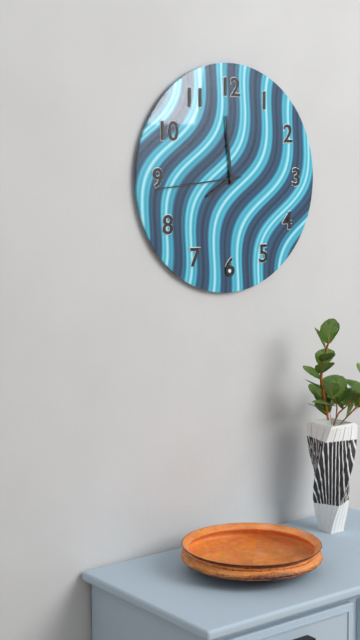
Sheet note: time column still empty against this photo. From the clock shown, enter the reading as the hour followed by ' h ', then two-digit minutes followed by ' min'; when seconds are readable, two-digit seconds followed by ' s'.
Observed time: 7 h 59 min 44 s
